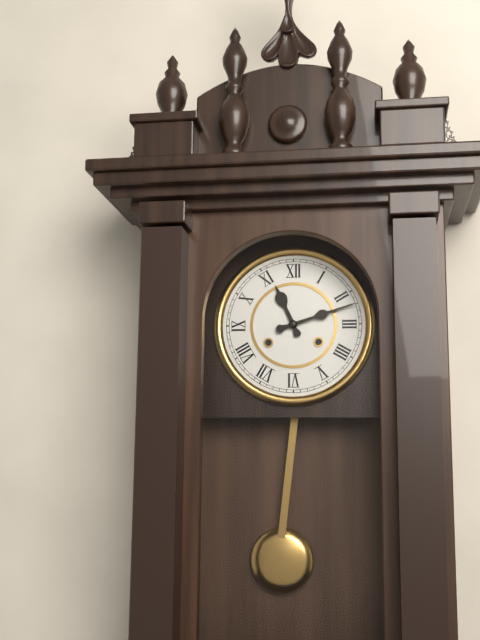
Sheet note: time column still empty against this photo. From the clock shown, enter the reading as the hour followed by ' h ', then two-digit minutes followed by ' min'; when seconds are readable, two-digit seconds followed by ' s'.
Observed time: 11 h 12 min
